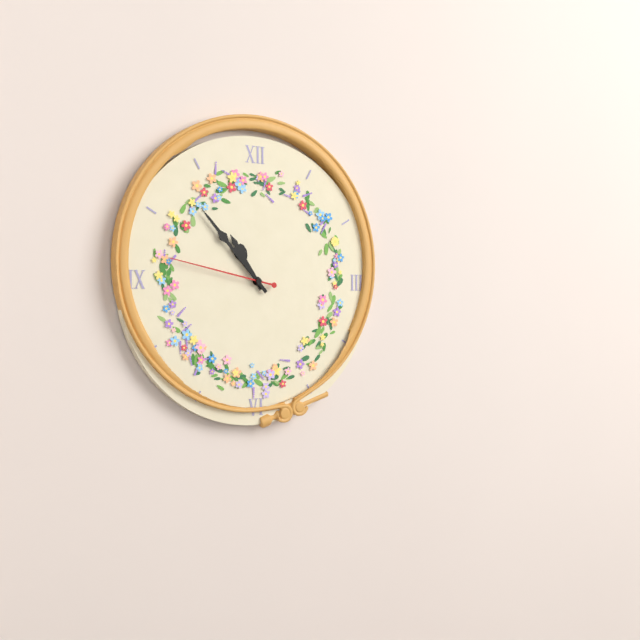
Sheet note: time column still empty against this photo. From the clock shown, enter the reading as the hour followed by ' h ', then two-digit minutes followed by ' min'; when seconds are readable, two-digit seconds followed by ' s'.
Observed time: 10 h 53 min 47 s
